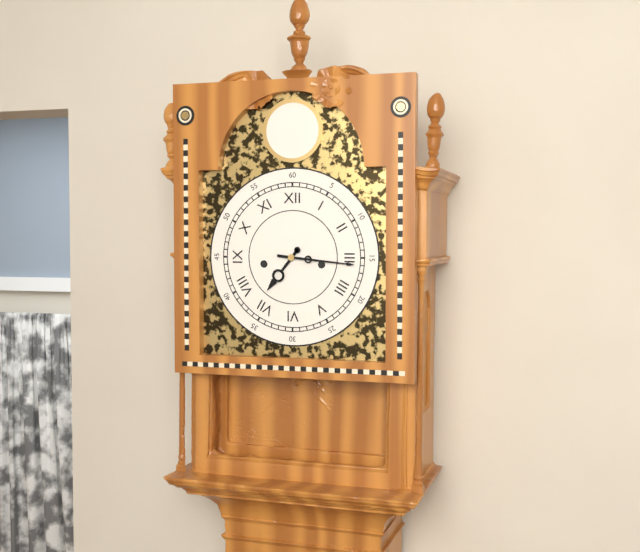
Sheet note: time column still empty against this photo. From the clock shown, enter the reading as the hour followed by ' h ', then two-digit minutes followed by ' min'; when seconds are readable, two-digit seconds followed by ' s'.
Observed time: 7 h 16 min
